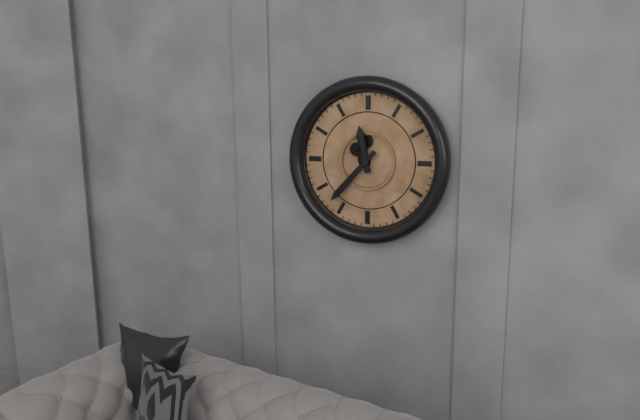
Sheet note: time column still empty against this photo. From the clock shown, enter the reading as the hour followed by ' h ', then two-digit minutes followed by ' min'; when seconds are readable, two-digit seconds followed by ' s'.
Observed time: 11 h 37 min
